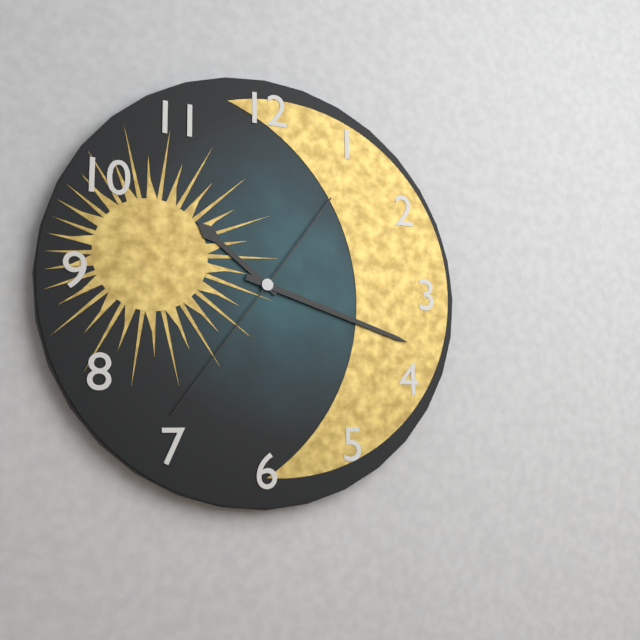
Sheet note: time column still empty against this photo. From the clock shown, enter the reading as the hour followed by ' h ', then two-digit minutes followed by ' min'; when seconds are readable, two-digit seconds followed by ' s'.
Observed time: 10 h 18 min 36 s
